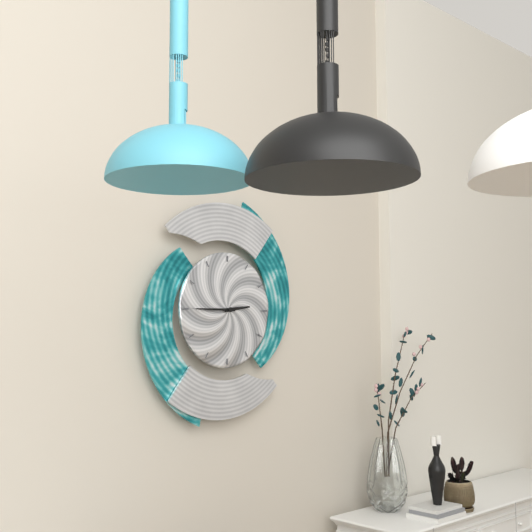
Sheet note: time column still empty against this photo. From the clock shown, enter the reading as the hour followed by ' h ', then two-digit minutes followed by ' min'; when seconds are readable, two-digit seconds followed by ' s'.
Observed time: 2 h 45 min
